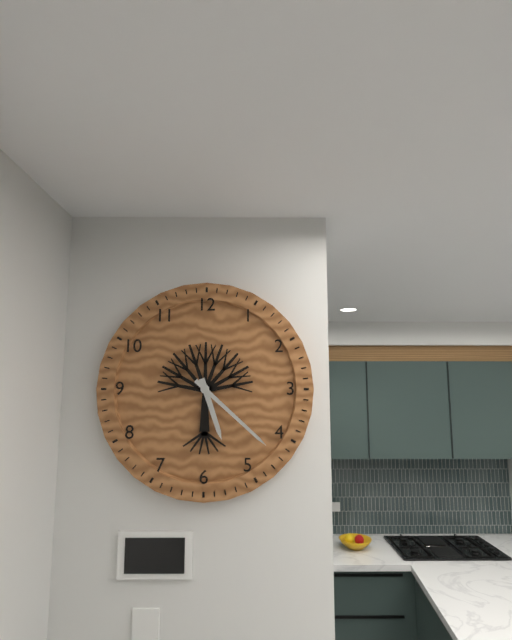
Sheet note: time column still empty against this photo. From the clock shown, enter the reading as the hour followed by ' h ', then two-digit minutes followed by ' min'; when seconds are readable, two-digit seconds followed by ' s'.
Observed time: 5 h 22 min
